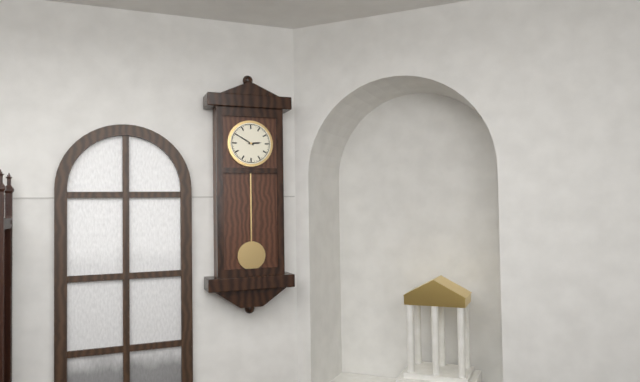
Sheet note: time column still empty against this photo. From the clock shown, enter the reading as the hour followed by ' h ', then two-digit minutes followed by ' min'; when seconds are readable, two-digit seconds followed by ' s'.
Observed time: 2 h 50 min
